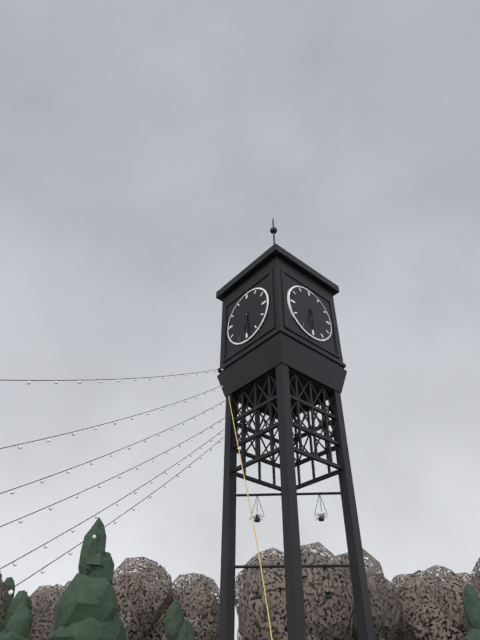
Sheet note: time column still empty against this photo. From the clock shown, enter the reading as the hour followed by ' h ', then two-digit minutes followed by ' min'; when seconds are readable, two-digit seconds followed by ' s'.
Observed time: 6 h 29 min
